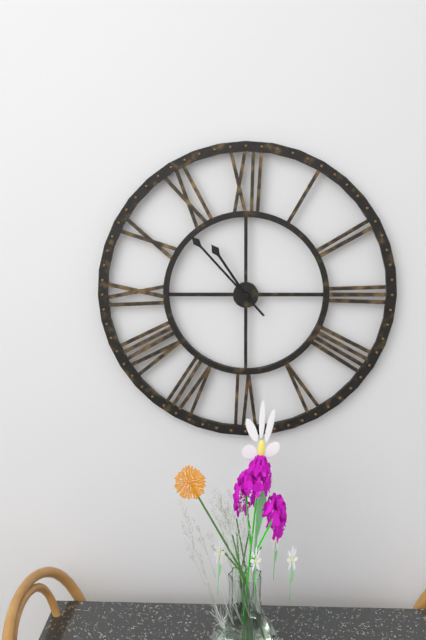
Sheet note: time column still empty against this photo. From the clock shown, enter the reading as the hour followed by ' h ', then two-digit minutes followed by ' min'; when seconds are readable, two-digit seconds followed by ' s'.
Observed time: 10 h 53 min
